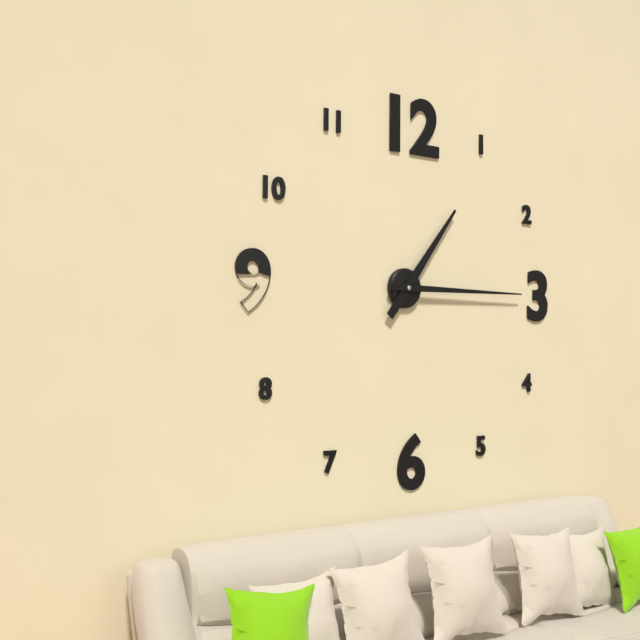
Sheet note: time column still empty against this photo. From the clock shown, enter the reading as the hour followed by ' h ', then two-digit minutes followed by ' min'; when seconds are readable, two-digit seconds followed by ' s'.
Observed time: 1 h 15 min
